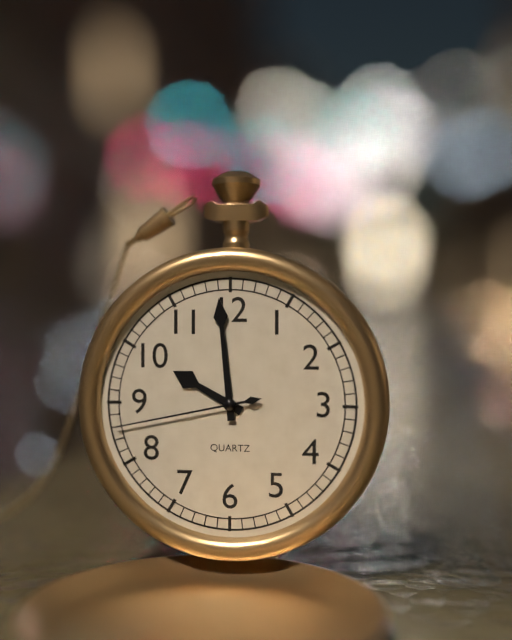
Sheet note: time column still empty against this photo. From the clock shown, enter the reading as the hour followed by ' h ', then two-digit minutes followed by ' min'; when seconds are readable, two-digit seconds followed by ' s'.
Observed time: 9 h 59 min 43 s
